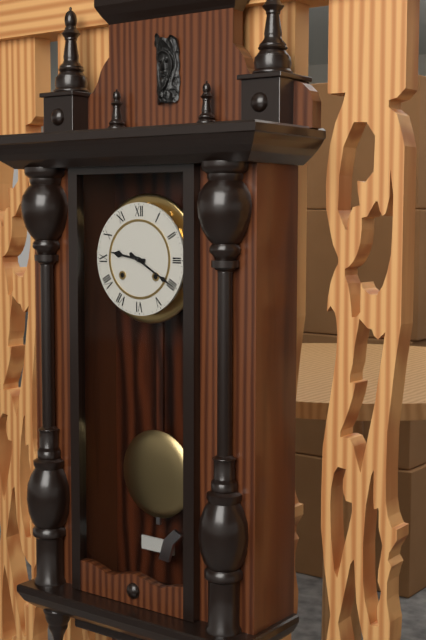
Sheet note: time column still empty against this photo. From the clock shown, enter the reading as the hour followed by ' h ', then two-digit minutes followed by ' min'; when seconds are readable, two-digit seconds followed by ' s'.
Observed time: 9 h 20 min
